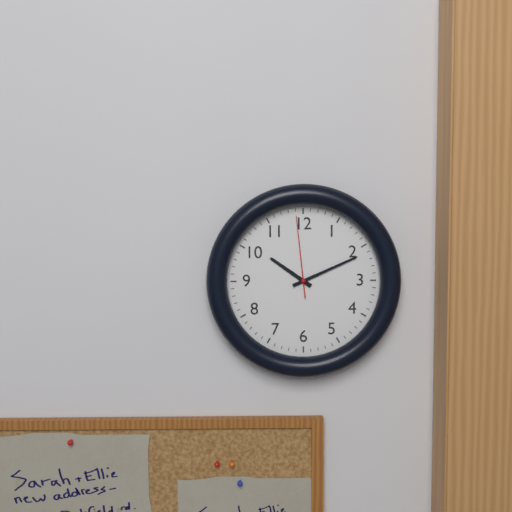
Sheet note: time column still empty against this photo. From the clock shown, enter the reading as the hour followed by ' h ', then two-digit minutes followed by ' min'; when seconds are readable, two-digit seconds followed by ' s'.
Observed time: 10 h 11 min 59 s
